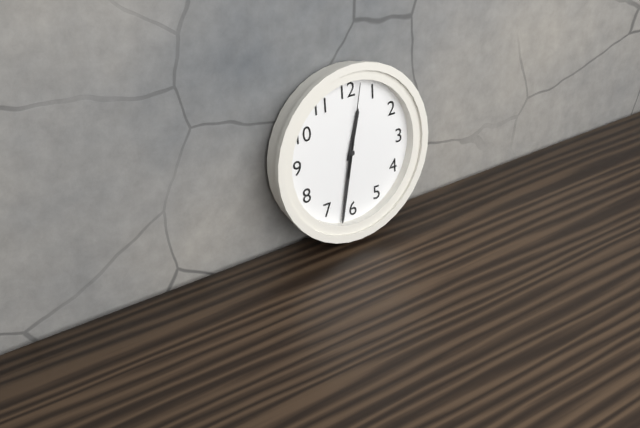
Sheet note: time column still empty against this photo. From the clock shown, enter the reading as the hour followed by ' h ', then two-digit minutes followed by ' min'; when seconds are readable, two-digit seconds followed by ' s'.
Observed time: 12 h 32 min 02 s
